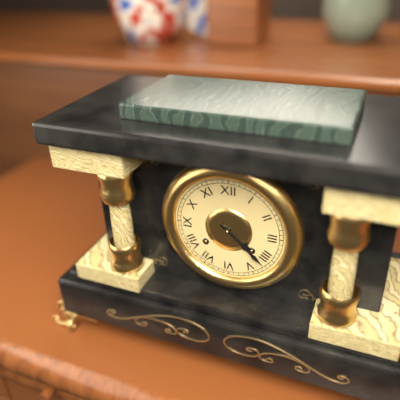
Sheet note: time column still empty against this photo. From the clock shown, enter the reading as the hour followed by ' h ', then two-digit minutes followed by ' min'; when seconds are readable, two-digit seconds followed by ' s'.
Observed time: 4 h 22 min
